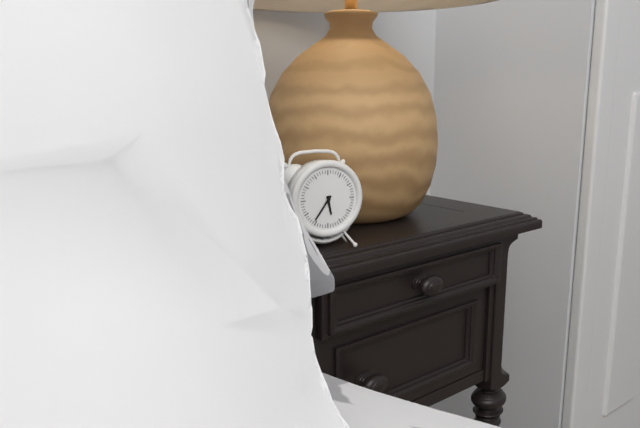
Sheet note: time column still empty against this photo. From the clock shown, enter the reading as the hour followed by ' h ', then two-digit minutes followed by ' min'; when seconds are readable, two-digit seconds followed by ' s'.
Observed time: 5 h 36 min
